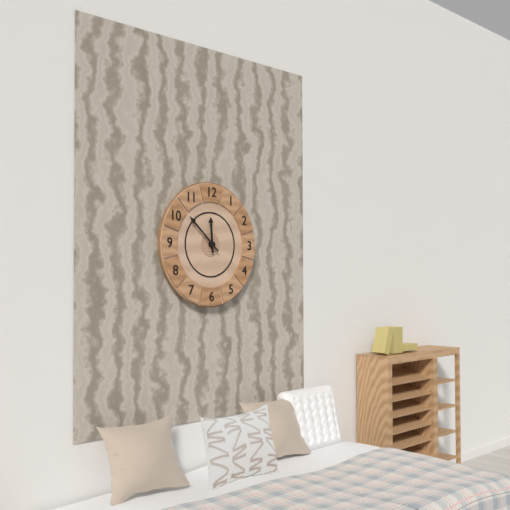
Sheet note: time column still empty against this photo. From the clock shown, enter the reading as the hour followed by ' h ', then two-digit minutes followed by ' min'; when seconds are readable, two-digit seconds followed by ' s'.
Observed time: 11 h 52 min
